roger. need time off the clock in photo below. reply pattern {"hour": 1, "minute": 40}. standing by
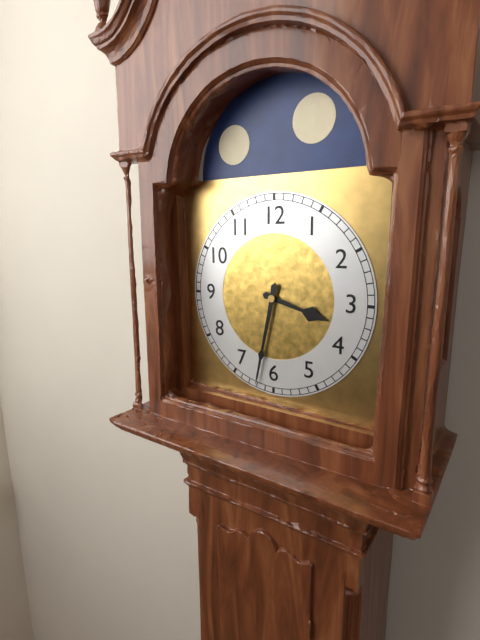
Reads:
{"hour": 3, "minute": 32}
